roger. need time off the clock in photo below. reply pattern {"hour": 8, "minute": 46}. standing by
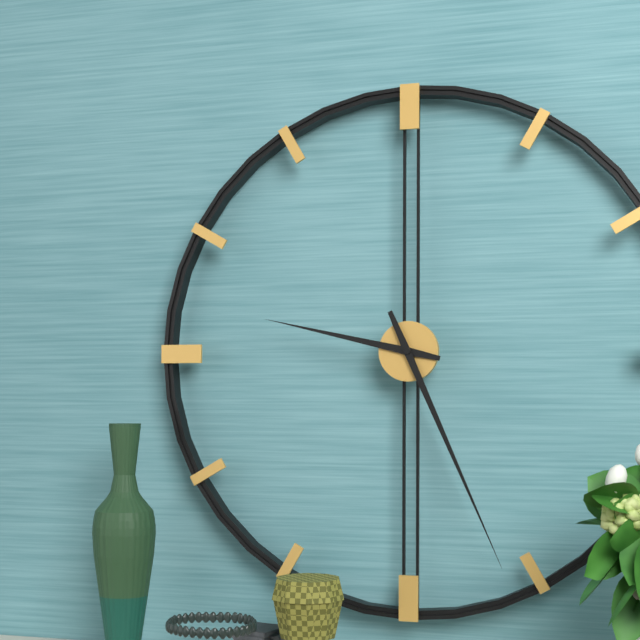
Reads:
{"hour": 9, "minute": 26}
